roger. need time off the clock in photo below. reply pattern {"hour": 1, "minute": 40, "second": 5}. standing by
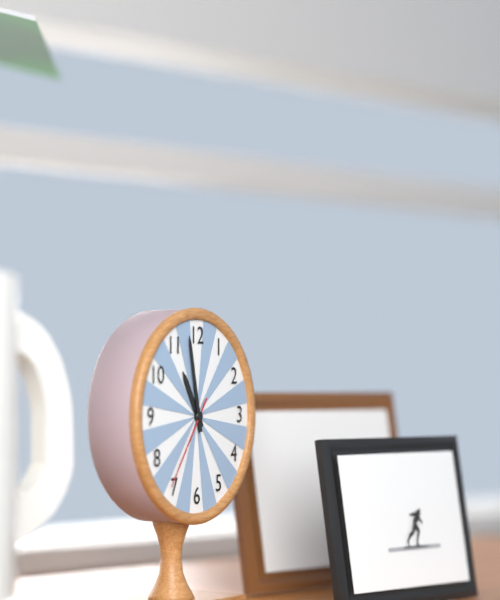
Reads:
{"hour": 10, "minute": 58, "second": 36}
